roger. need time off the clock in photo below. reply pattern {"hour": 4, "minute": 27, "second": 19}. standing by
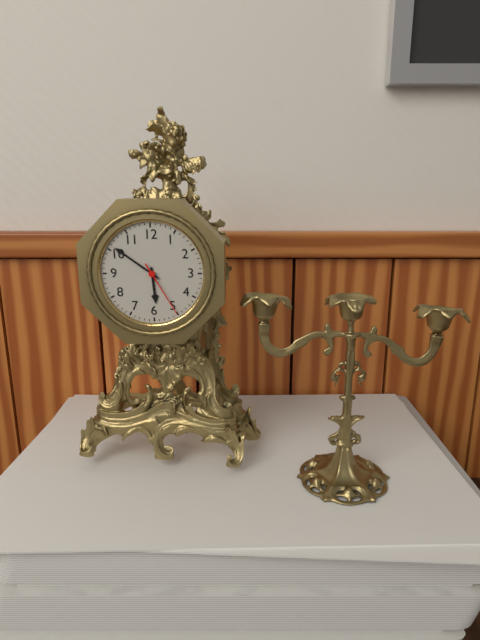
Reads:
{"hour": 5, "minute": 51, "second": 25}
